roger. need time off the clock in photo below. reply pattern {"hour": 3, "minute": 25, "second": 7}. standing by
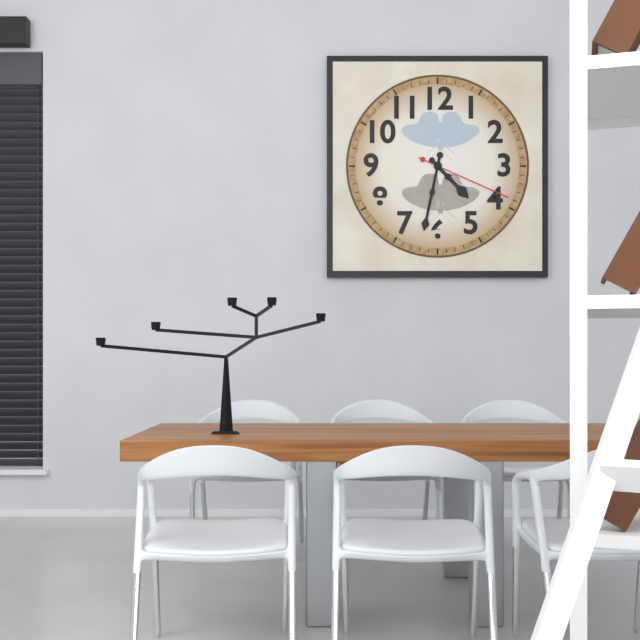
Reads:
{"hour": 4, "minute": 32, "second": 19}
